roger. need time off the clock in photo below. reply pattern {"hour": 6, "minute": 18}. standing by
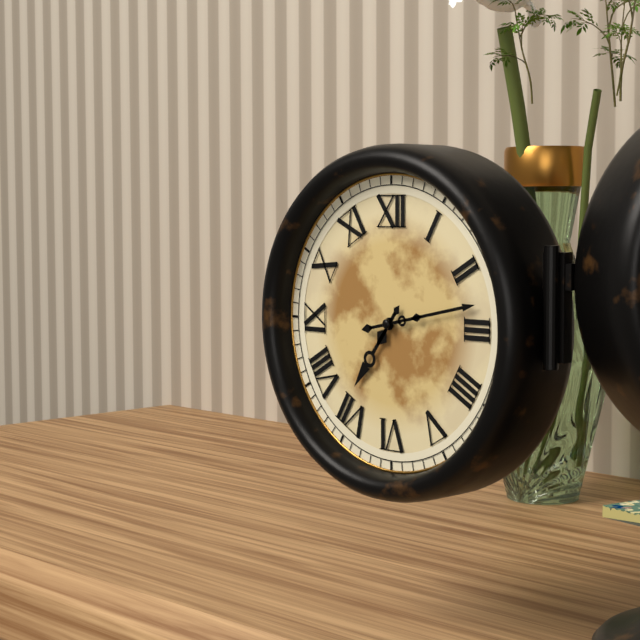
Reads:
{"hour": 7, "minute": 13}
